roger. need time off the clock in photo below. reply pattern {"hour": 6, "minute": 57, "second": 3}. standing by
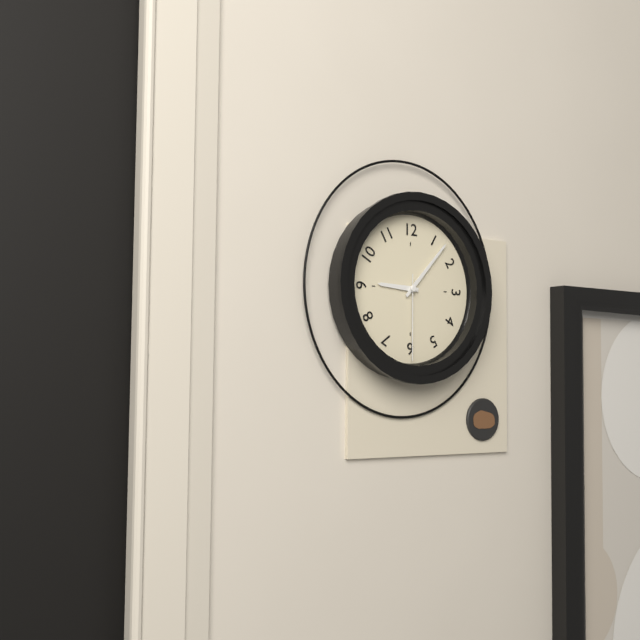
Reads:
{"hour": 9, "minute": 7, "second": 30}
